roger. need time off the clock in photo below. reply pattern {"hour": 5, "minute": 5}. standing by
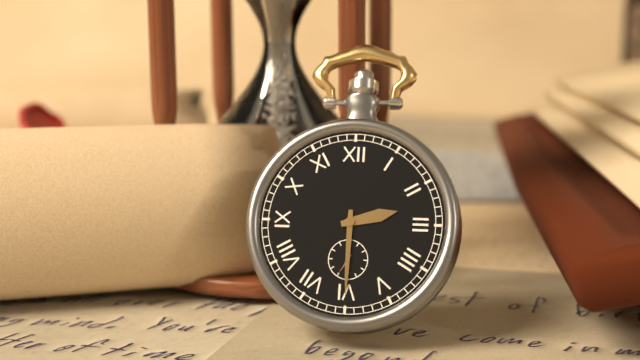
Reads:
{"hour": 2, "minute": 30}
